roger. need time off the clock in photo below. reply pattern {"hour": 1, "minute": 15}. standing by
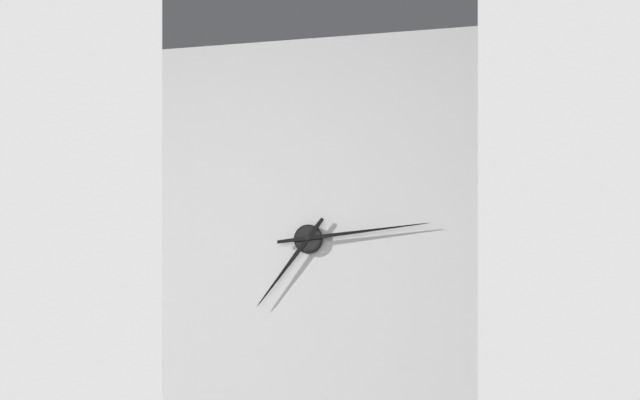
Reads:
{"hour": 7, "minute": 14}
